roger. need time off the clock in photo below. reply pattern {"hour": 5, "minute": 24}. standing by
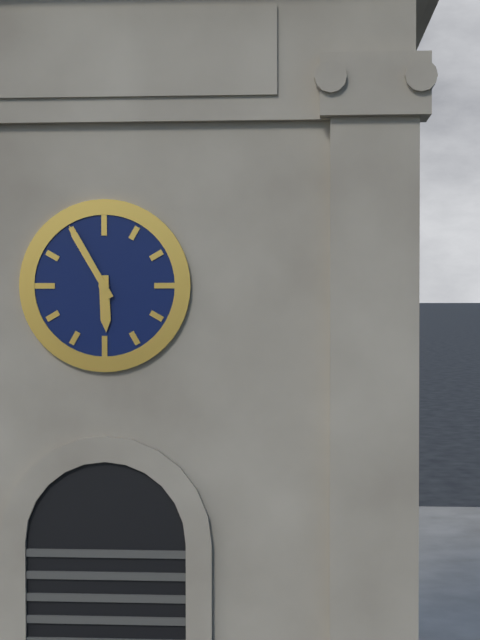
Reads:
{"hour": 5, "minute": 55}
